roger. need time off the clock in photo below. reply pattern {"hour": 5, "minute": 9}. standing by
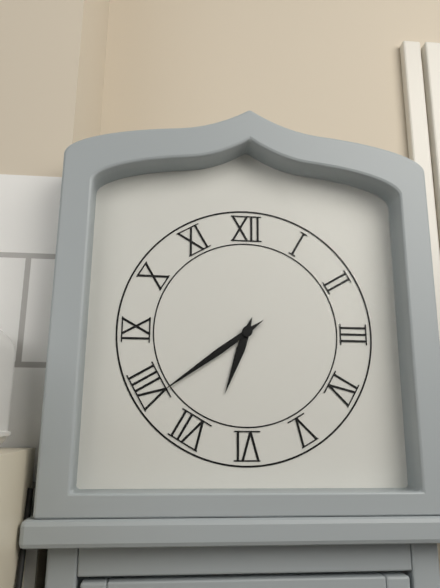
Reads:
{"hour": 6, "minute": 39}
